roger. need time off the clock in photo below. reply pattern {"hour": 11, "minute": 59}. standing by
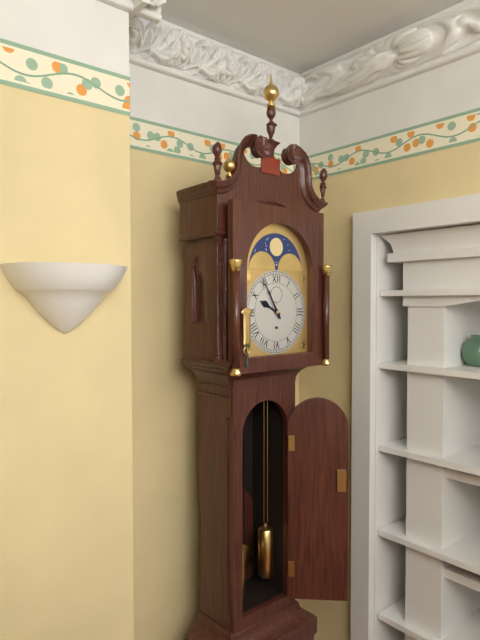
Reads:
{"hour": 9, "minute": 55}
